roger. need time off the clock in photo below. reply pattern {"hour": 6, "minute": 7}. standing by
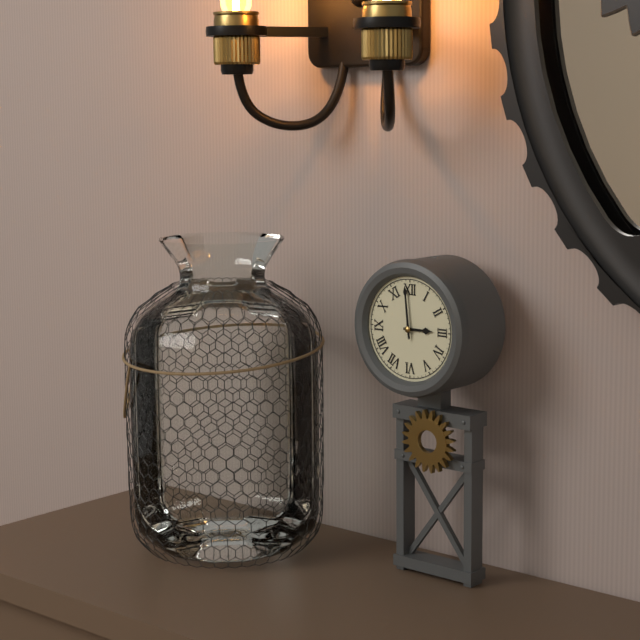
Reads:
{"hour": 2, "minute": 59}
